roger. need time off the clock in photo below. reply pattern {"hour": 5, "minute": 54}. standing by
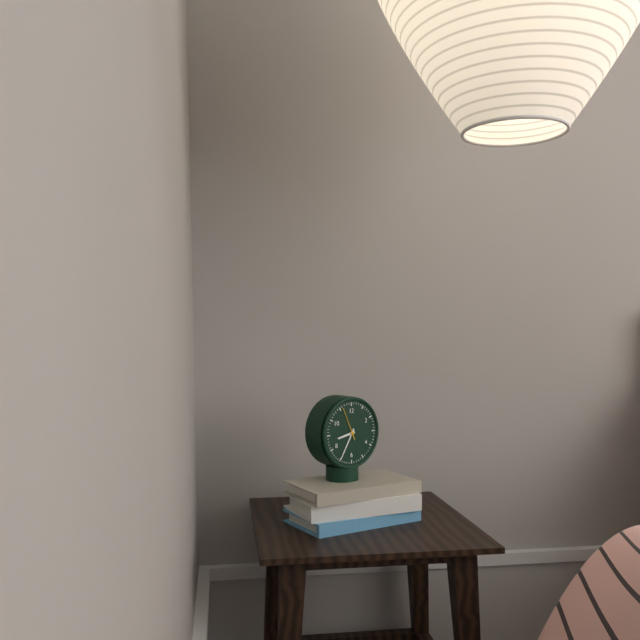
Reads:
{"hour": 8, "minute": 35}
